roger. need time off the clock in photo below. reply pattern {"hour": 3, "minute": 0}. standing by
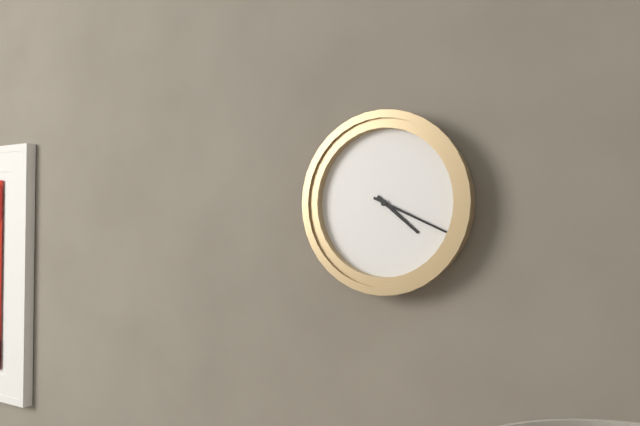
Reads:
{"hour": 4, "minute": 19}
